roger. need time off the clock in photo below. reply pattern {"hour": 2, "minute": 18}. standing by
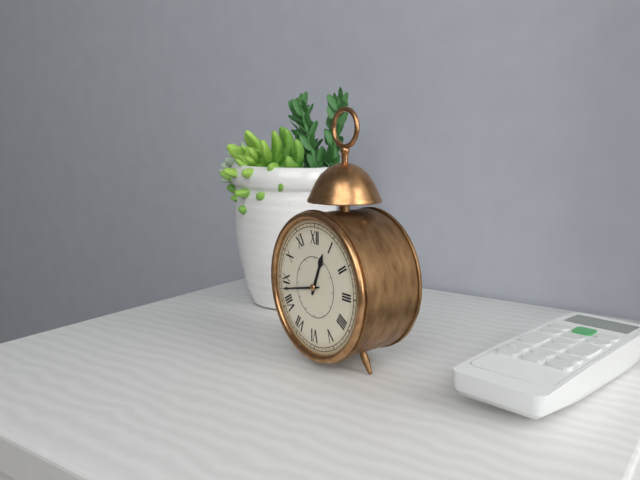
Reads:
{"hour": 12, "minute": 43}
